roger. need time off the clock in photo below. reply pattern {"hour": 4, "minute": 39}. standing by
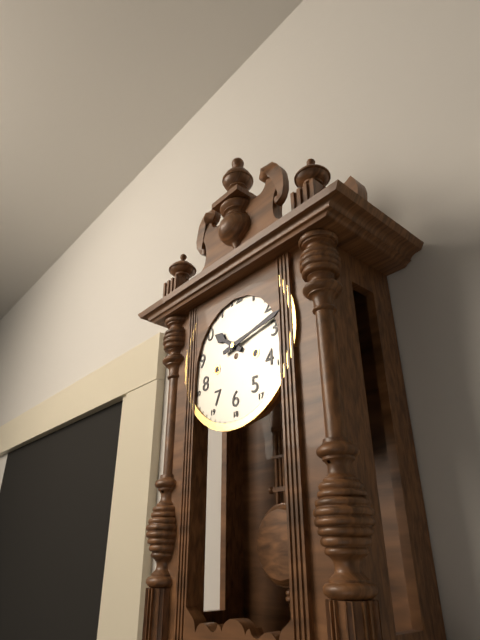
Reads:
{"hour": 10, "minute": 13}
